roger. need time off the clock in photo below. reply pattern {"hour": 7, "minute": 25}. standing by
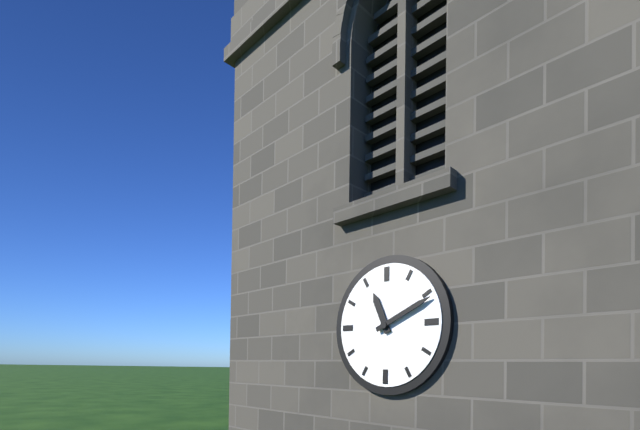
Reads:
{"hour": 11, "minute": 11}
